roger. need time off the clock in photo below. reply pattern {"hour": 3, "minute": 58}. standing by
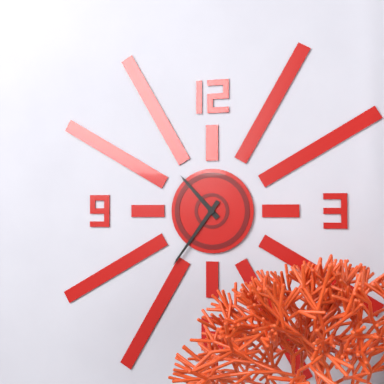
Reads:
{"hour": 10, "minute": 36}
